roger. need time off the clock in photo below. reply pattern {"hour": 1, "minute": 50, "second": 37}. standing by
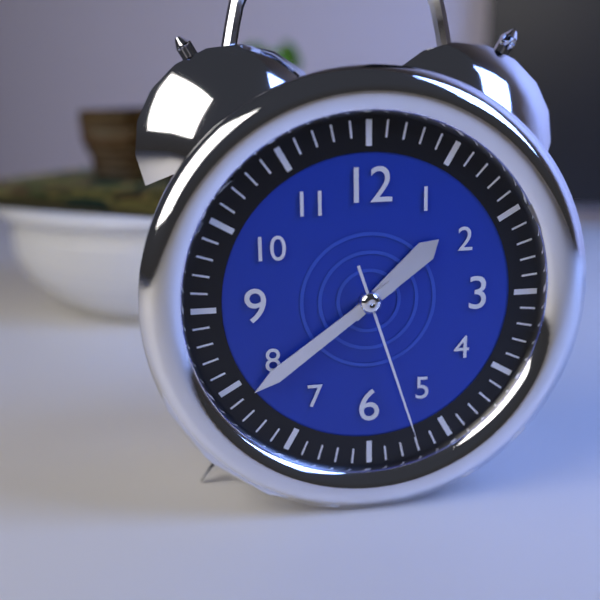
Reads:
{"hour": 1, "minute": 39, "second": 27}
